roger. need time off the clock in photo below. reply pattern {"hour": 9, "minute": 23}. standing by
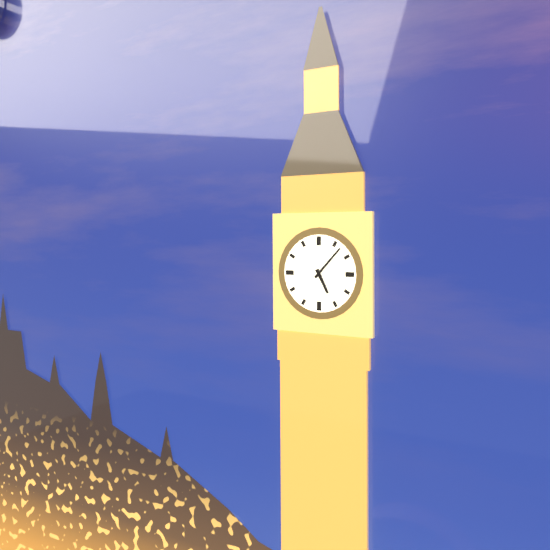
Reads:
{"hour": 5, "minute": 7}
